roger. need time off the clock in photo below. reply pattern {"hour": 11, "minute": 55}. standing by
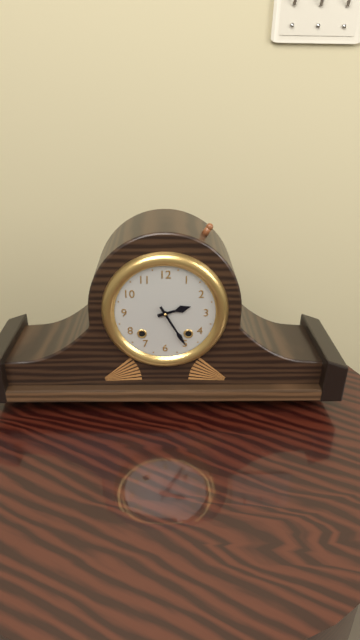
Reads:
{"hour": 2, "minute": 25}
